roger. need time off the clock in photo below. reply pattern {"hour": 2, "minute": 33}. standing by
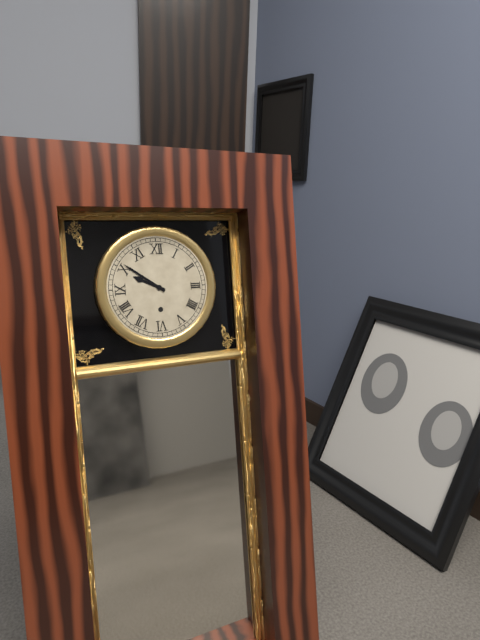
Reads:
{"hour": 9, "minute": 51}
